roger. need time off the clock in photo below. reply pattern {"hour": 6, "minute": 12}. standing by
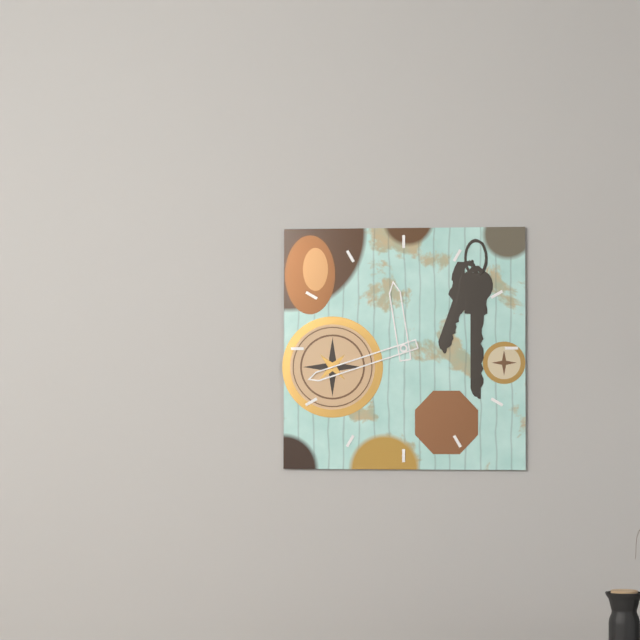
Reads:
{"hour": 11, "minute": 42}
